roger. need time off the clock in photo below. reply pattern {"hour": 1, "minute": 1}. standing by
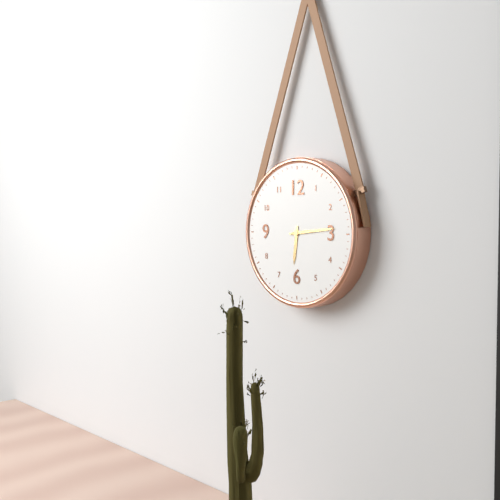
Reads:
{"hour": 6, "minute": 14}
